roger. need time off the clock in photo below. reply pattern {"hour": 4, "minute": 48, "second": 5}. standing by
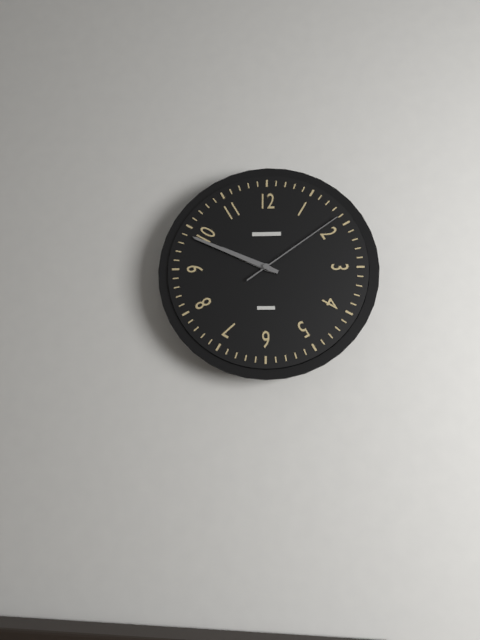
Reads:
{"hour": 9, "minute": 49, "second": 9}
